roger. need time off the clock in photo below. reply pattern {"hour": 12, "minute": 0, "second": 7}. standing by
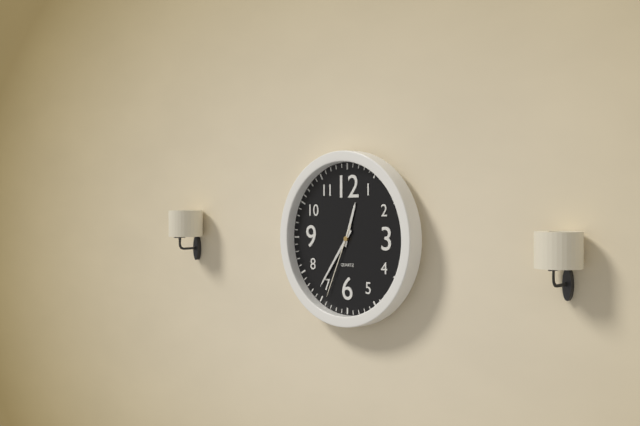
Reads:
{"hour": 12, "minute": 36, "second": 34}
